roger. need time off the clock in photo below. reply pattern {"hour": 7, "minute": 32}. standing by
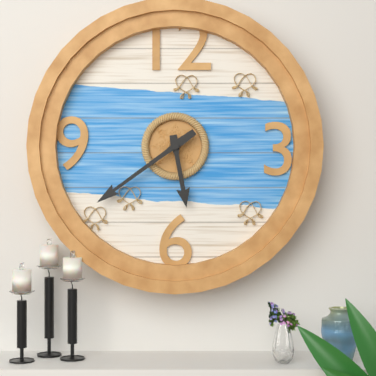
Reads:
{"hour": 5, "minute": 39}
